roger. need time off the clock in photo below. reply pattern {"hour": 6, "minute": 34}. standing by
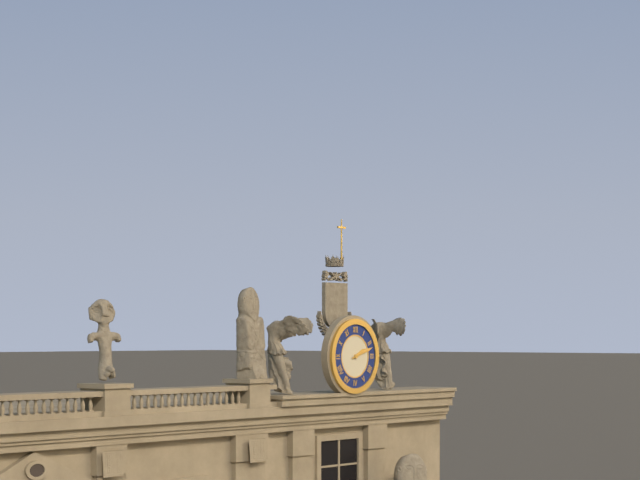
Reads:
{"hour": 2, "minute": 12}
